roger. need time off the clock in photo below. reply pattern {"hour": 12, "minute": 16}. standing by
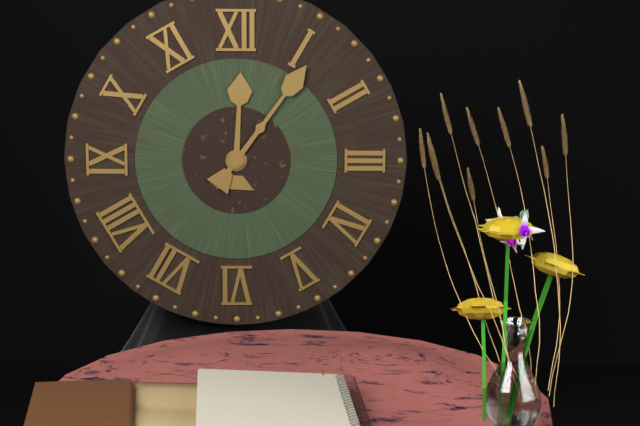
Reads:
{"hour": 12, "minute": 6}
